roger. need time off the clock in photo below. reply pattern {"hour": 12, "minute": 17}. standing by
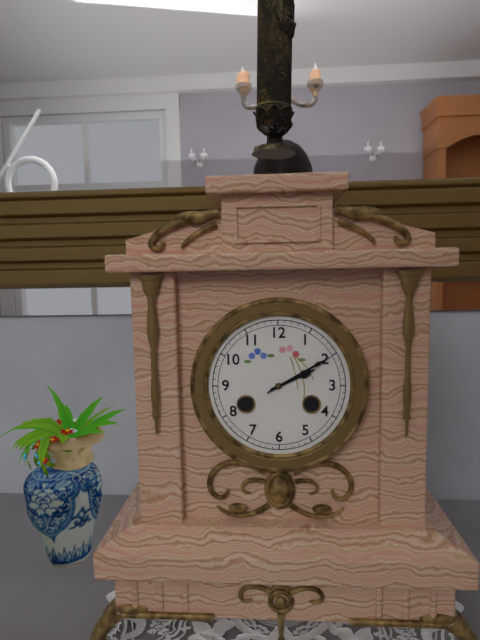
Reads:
{"hour": 2, "minute": 10}
